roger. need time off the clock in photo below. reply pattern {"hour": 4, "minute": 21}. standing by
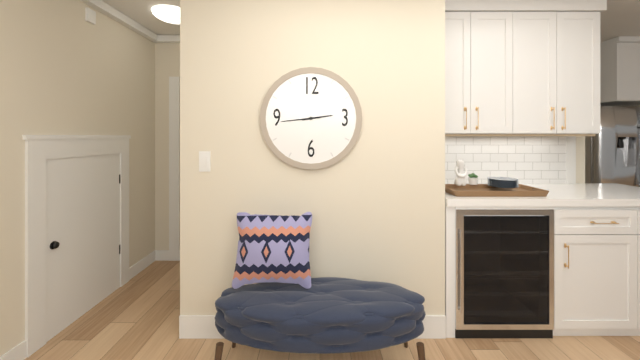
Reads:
{"hour": 2, "minute": 44}
